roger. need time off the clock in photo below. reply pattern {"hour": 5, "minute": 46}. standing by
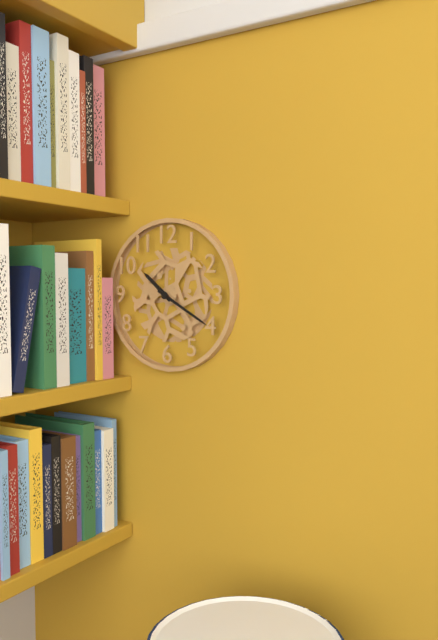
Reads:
{"hour": 10, "minute": 20}
